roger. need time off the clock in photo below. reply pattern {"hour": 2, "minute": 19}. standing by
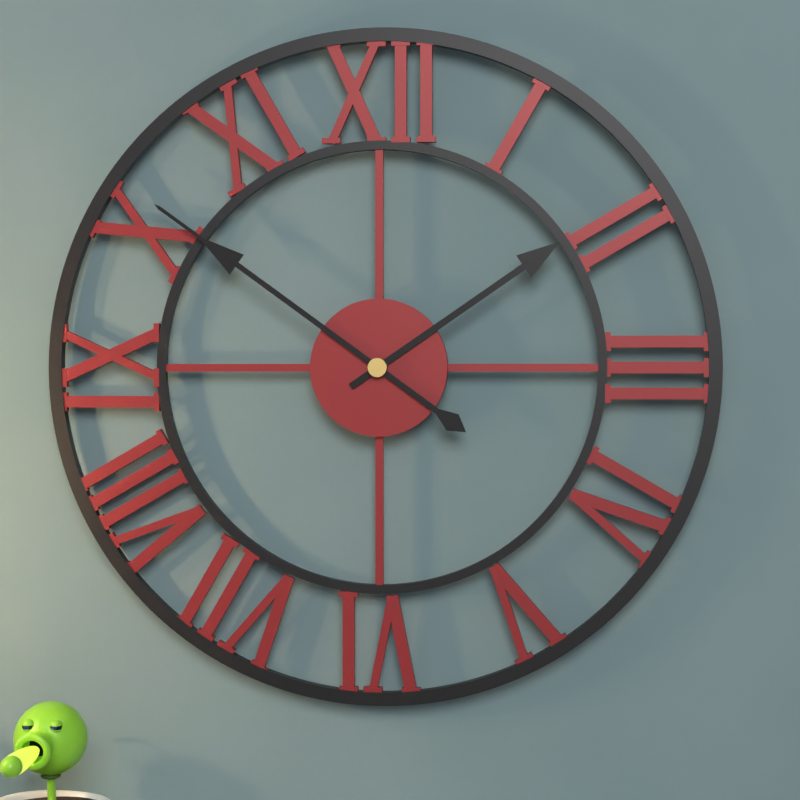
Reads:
{"hour": 1, "minute": 51}
